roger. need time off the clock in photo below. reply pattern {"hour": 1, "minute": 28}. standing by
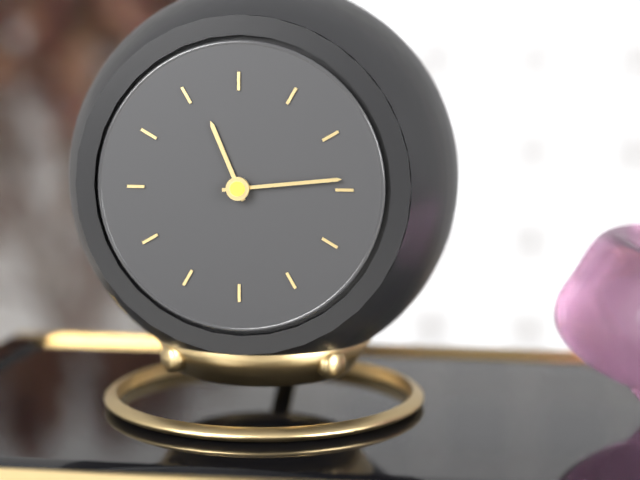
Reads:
{"hour": 11, "minute": 14}
